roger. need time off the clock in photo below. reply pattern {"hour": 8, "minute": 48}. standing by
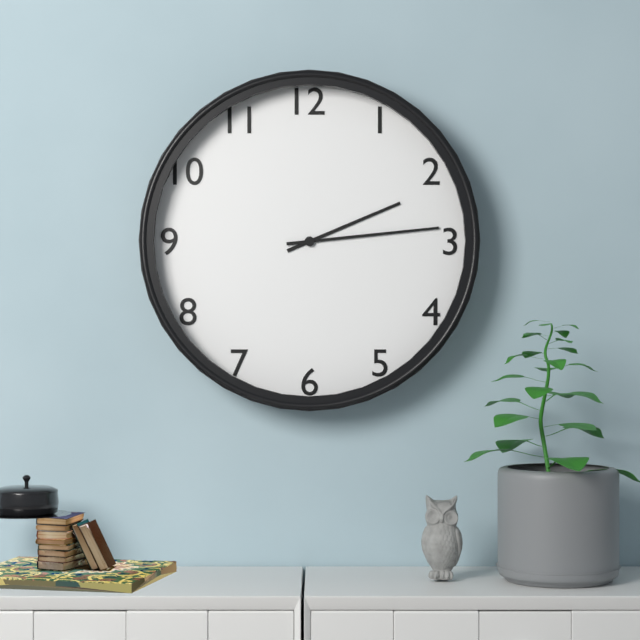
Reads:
{"hour": 2, "minute": 14}
